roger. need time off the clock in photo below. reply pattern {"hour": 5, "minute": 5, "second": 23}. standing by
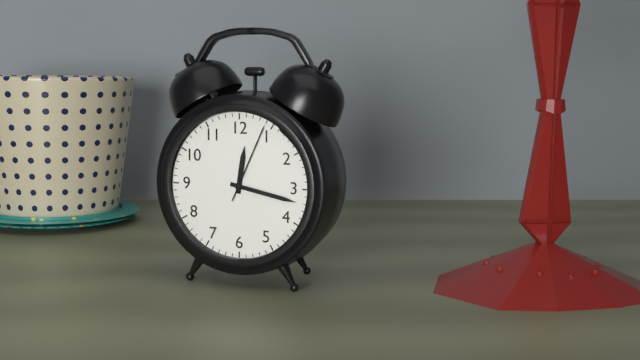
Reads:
{"hour": 12, "minute": 17, "second": 4}
